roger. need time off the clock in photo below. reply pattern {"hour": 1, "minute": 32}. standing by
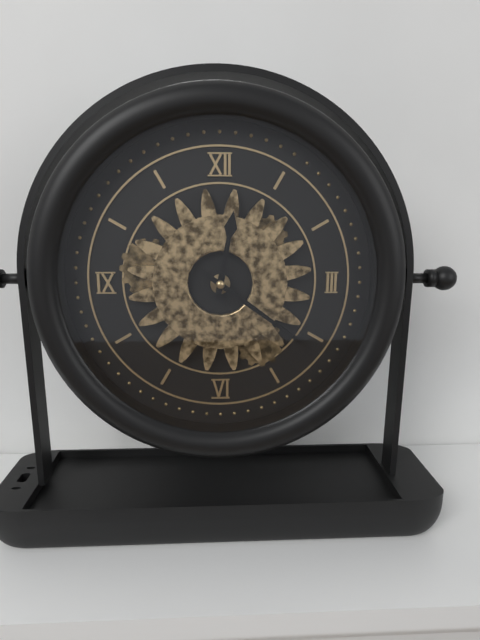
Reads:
{"hour": 12, "minute": 21}
